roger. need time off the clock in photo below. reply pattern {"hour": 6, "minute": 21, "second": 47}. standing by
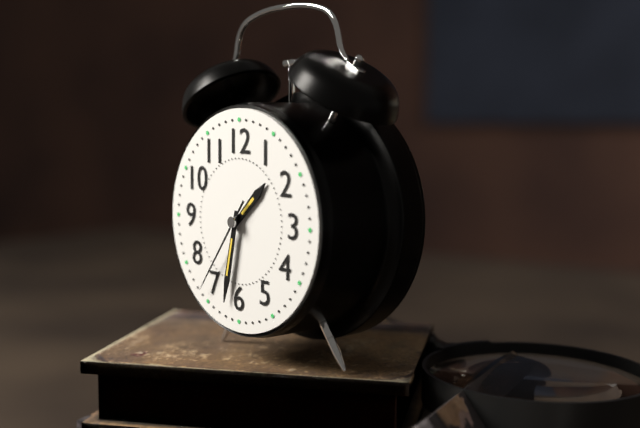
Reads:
{"hour": 1, "minute": 32, "second": 36}
